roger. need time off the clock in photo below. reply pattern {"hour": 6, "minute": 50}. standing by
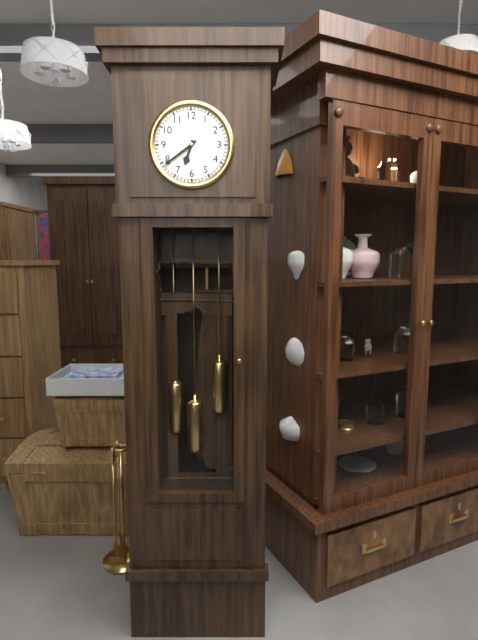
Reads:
{"hour": 6, "minute": 39}
